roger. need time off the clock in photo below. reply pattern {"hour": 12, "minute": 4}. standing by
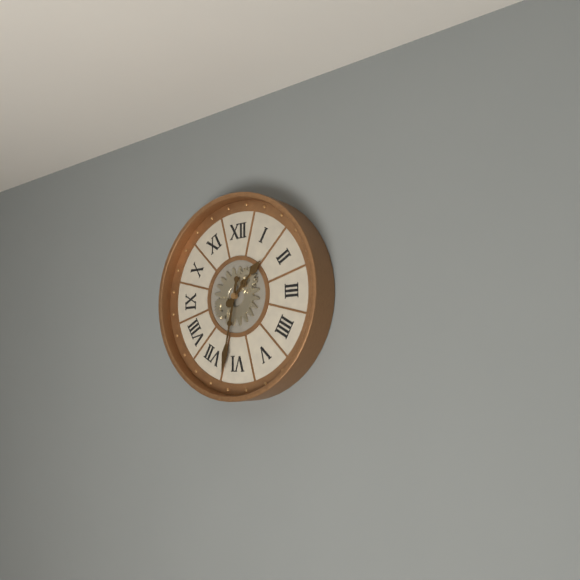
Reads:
{"hour": 1, "minute": 32}
